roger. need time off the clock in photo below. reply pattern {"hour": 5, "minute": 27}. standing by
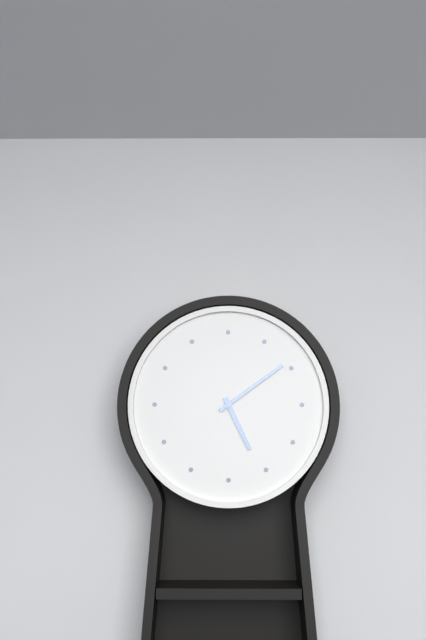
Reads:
{"hour": 5, "minute": 9}
